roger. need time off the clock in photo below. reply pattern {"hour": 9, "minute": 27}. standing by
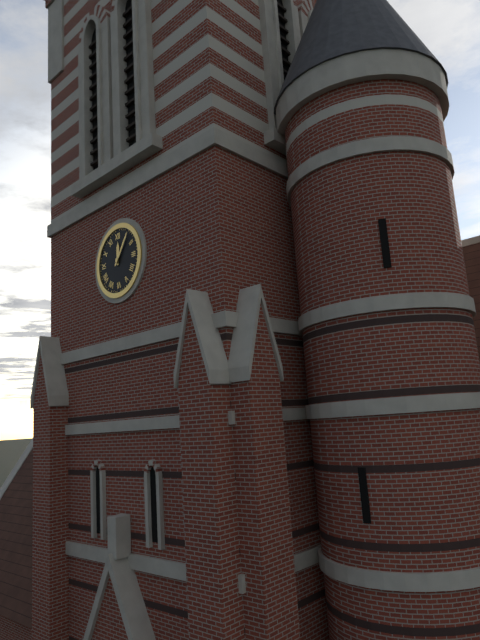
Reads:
{"hour": 12, "minute": 6}
